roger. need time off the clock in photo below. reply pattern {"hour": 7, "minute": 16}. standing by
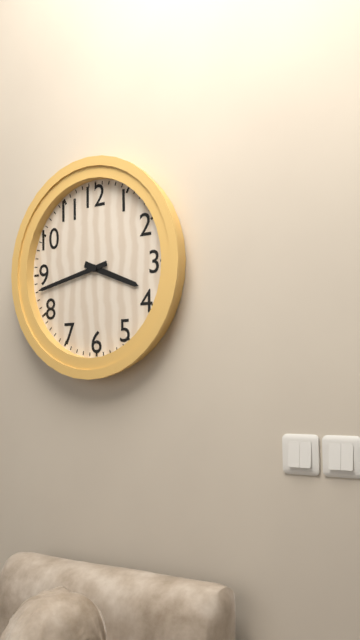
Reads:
{"hour": 3, "minute": 43}
